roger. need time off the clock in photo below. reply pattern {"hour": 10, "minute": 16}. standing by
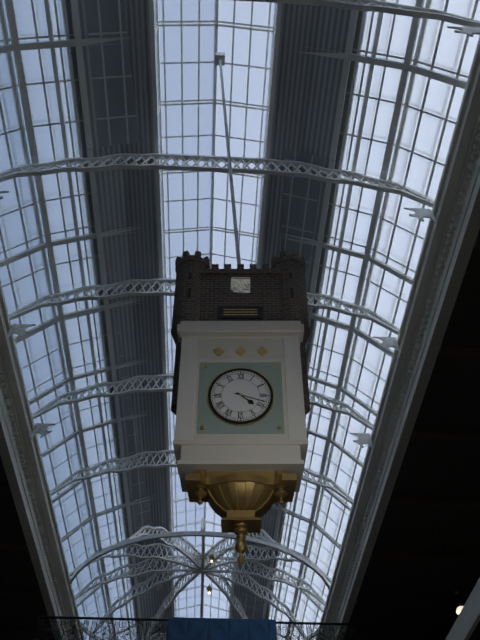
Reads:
{"hour": 4, "minute": 18}
